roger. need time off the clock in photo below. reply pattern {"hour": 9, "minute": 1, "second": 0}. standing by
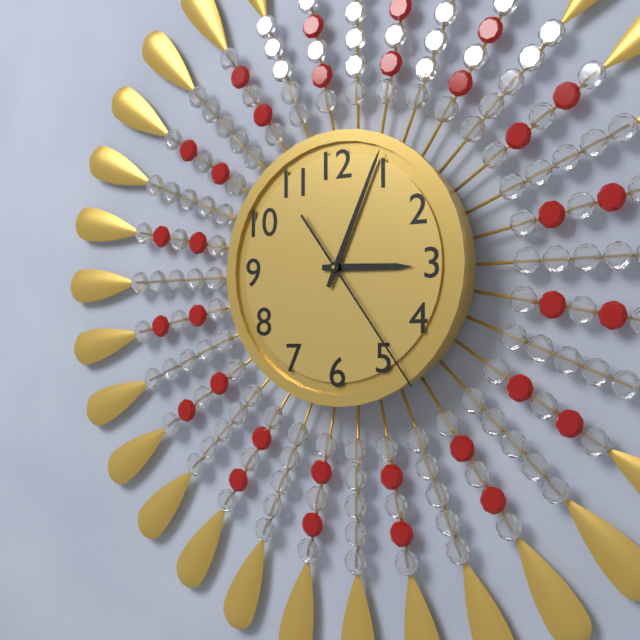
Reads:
{"hour": 3, "minute": 4, "second": 24}
